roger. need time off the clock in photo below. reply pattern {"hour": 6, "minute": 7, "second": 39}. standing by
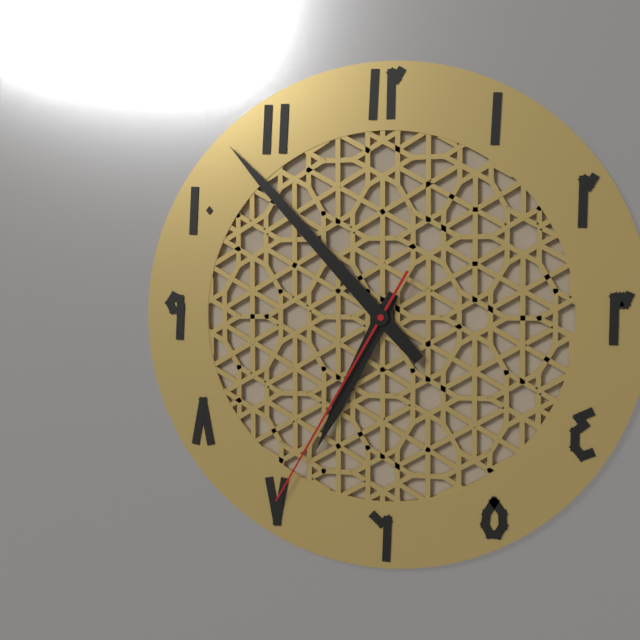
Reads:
{"hour": 6, "minute": 53, "second": 35}
